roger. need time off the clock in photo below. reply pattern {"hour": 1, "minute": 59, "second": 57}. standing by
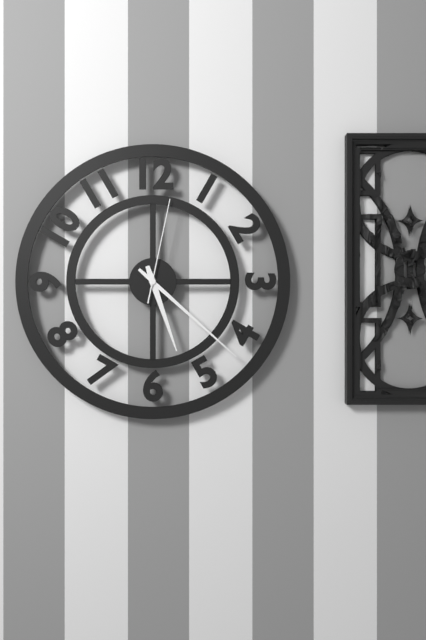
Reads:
{"hour": 5, "minute": 22, "second": 2}
